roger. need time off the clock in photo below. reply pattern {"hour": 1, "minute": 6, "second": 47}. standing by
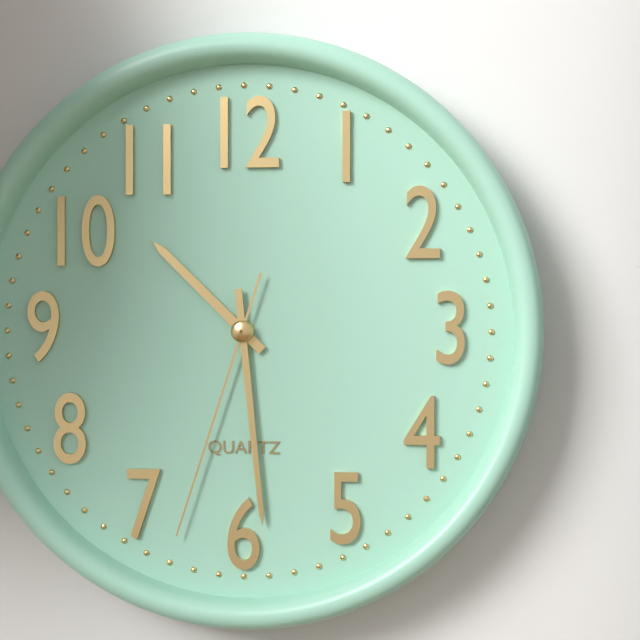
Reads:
{"hour": 10, "minute": 29, "second": 33}
